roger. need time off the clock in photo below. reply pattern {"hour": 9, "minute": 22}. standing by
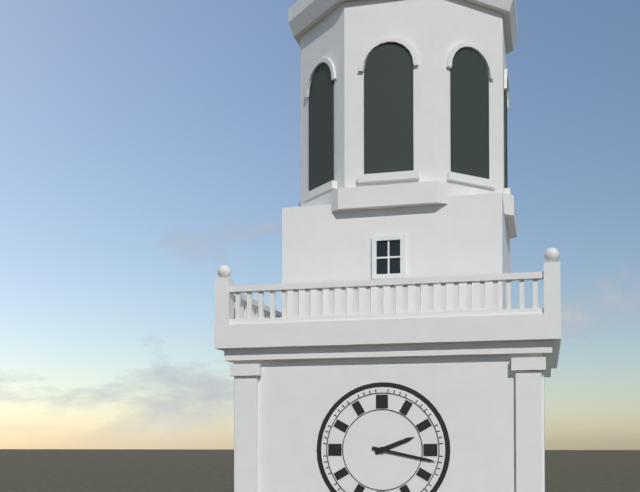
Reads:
{"hour": 2, "minute": 17}
